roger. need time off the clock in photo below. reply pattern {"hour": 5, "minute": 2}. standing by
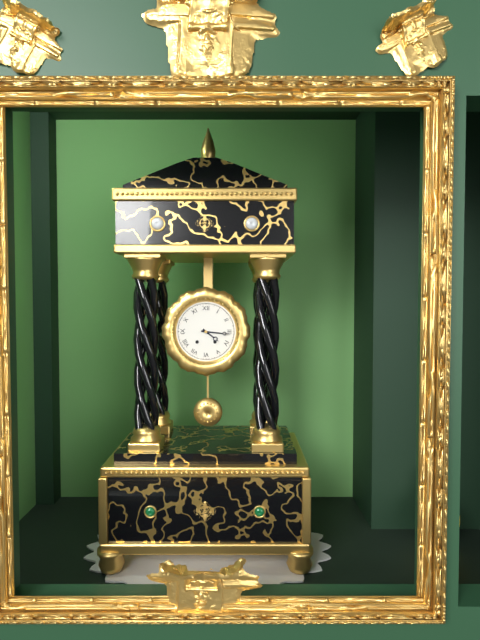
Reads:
{"hour": 4, "minute": 16}
